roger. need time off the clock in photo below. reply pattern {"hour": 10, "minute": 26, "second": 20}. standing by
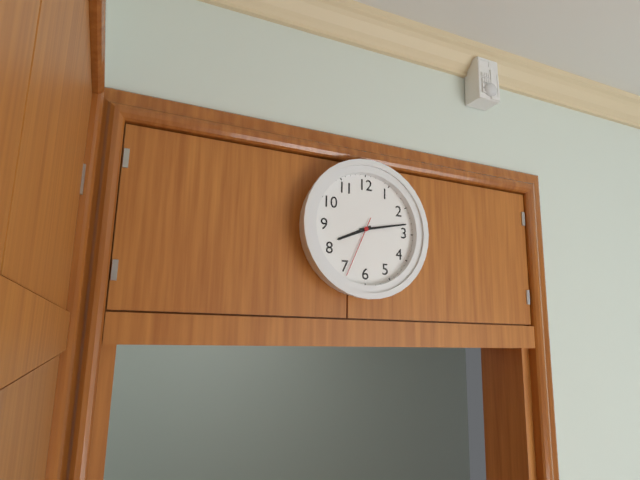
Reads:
{"hour": 8, "minute": 13, "second": 34}
